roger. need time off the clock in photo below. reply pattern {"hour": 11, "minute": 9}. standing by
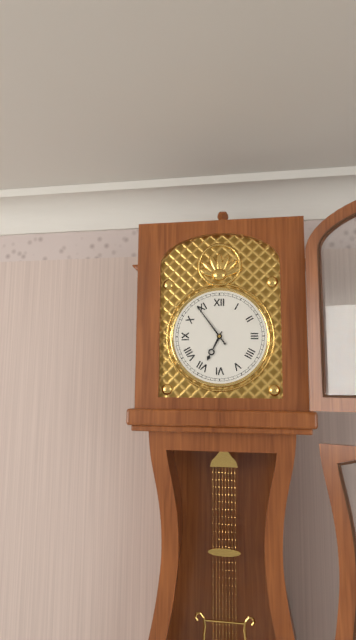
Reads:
{"hour": 6, "minute": 54}
